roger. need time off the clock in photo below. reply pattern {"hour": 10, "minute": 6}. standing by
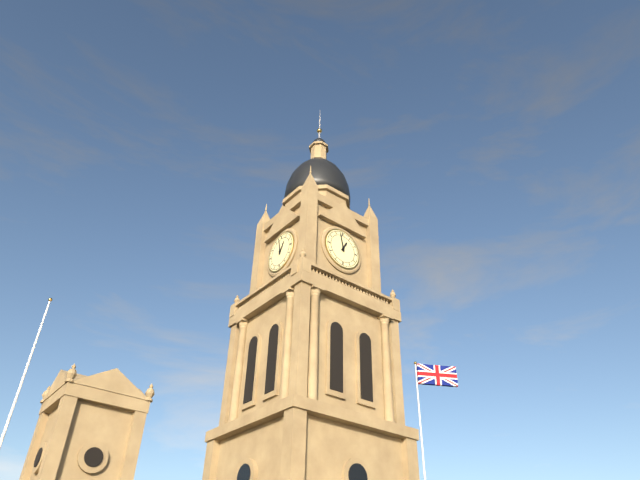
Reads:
{"hour": 12, "minute": 58}
